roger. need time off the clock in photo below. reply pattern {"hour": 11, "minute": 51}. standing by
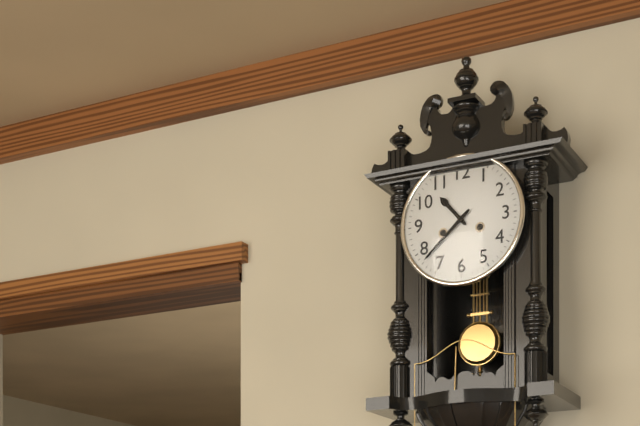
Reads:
{"hour": 10, "minute": 38}
